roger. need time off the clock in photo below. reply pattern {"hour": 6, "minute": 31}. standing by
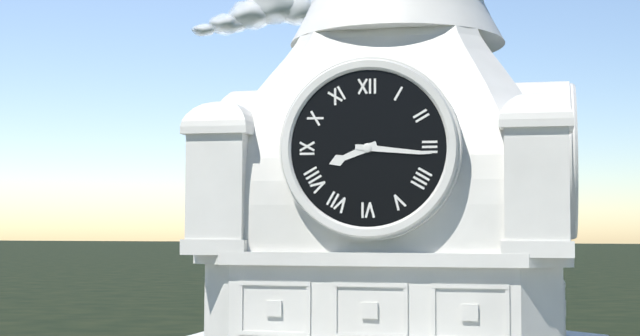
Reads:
{"hour": 8, "minute": 16}
